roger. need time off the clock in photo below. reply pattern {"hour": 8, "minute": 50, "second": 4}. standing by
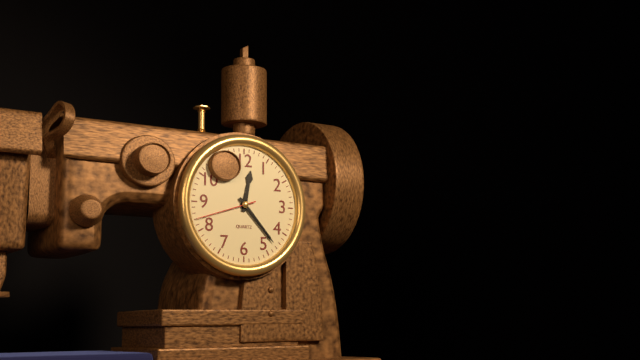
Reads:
{"hour": 12, "minute": 23, "second": 42}
